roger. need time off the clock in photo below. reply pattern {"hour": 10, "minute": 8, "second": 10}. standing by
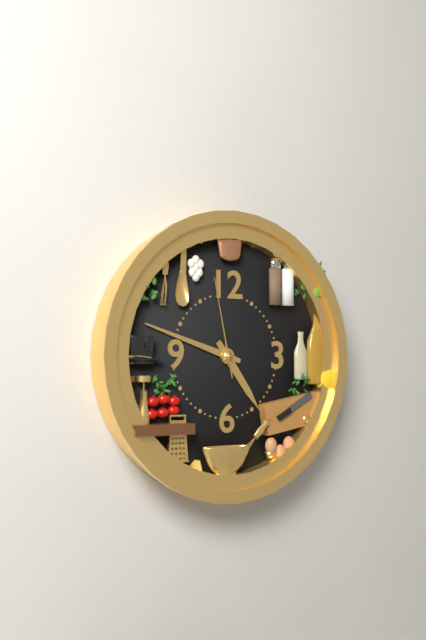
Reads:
{"hour": 4, "minute": 48, "second": 58}
